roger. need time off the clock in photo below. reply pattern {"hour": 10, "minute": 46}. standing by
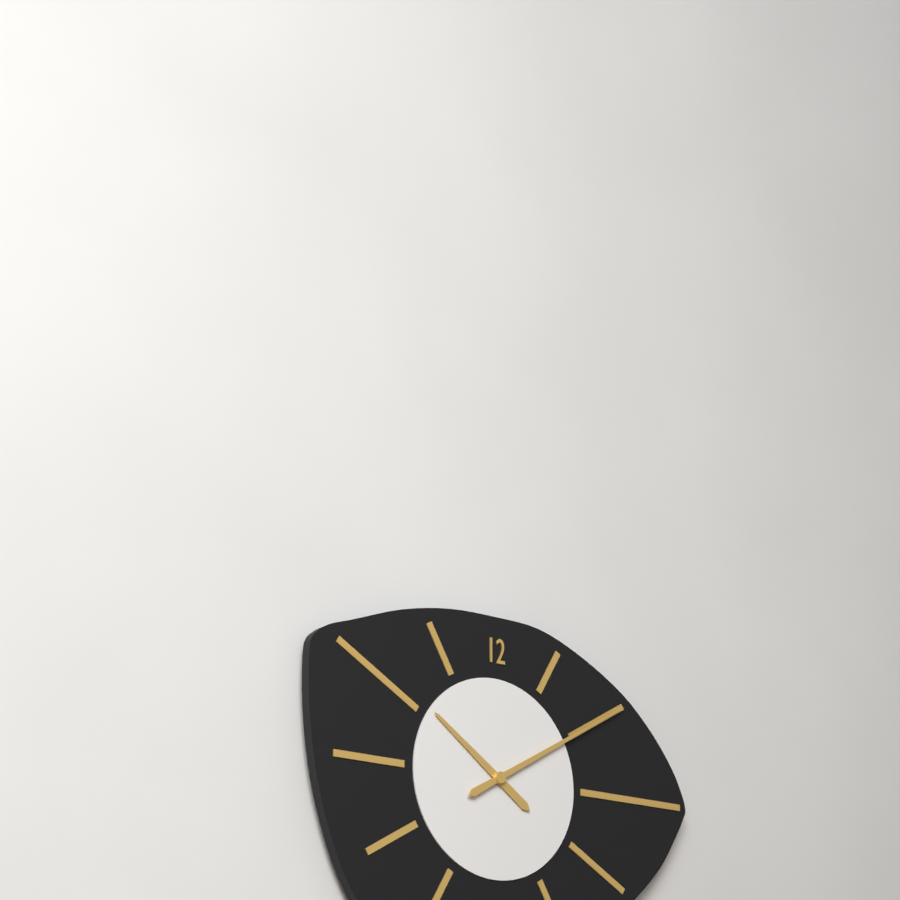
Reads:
{"hour": 10, "minute": 10}
